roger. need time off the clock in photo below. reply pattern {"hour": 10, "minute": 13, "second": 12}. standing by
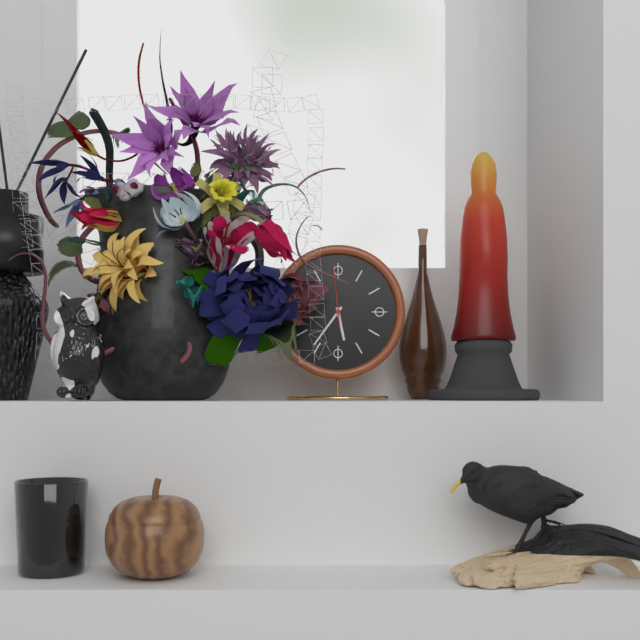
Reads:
{"hour": 5, "minute": 36, "second": 59}
